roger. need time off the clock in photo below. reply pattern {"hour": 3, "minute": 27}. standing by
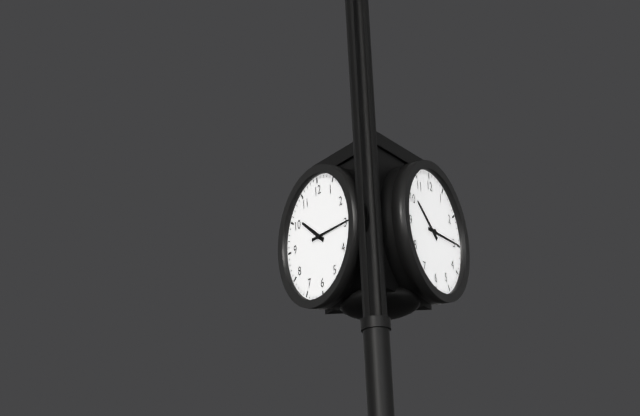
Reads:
{"hour": 10, "minute": 15}
